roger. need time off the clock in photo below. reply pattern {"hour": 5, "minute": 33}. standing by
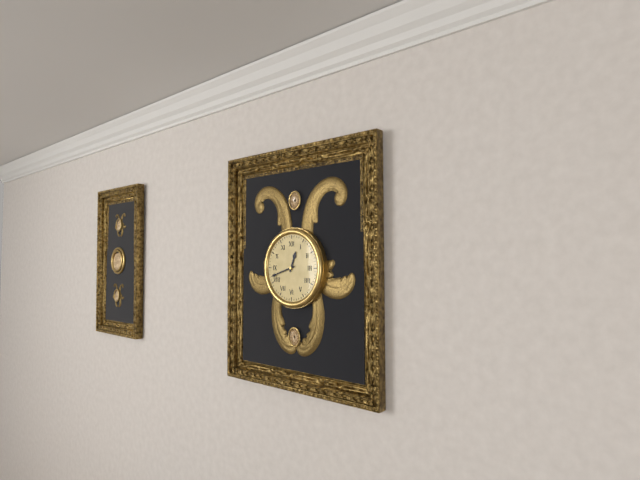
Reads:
{"hour": 12, "minute": 42}
